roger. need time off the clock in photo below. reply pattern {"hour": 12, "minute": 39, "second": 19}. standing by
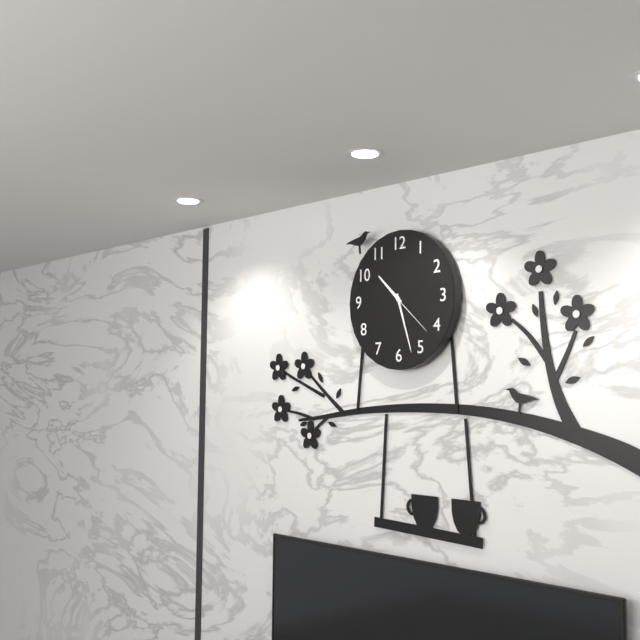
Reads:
{"hour": 10, "minute": 27, "second": 22}
